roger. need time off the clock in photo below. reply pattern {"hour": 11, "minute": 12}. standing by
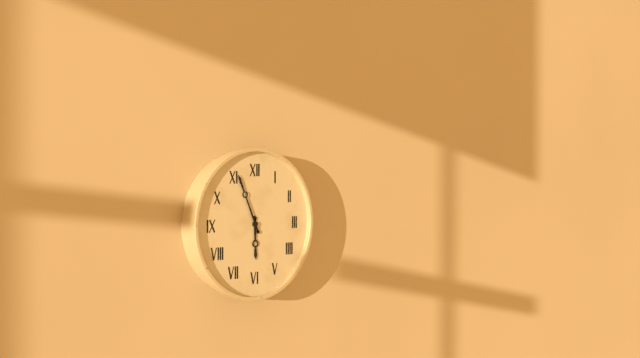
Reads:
{"hour": 5, "minute": 56}
